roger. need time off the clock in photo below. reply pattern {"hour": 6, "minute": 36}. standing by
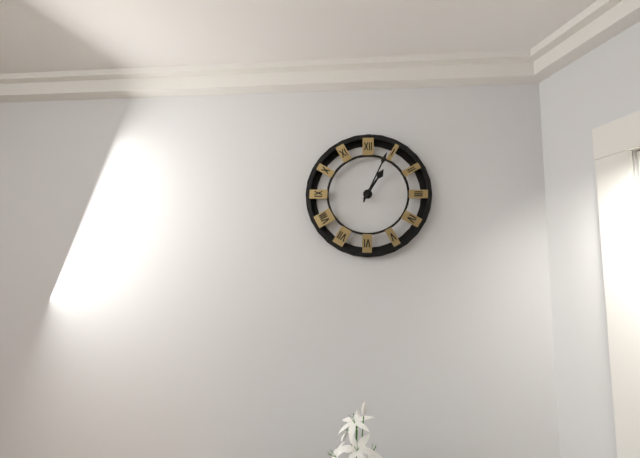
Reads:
{"hour": 1, "minute": 4}
